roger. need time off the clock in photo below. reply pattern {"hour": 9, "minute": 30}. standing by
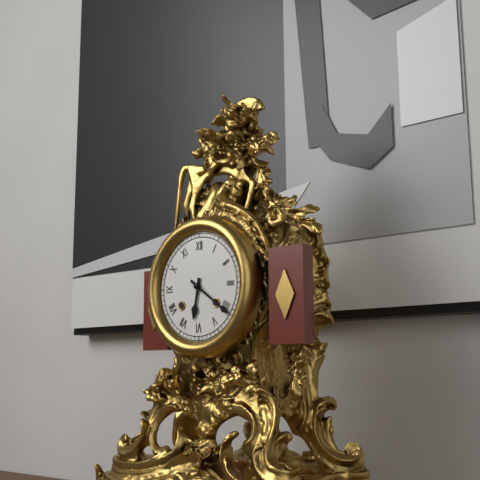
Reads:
{"hour": 6, "minute": 21}
